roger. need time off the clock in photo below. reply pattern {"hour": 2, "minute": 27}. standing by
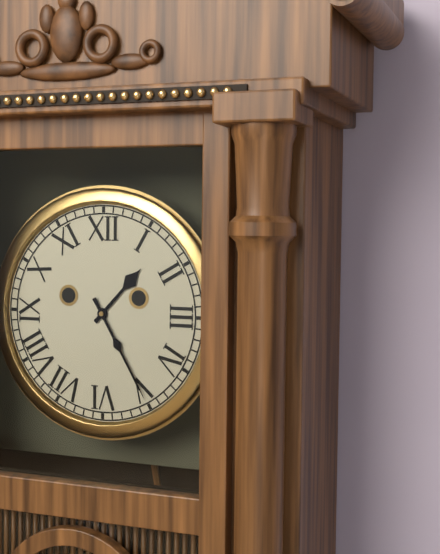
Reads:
{"hour": 1, "minute": 25}
